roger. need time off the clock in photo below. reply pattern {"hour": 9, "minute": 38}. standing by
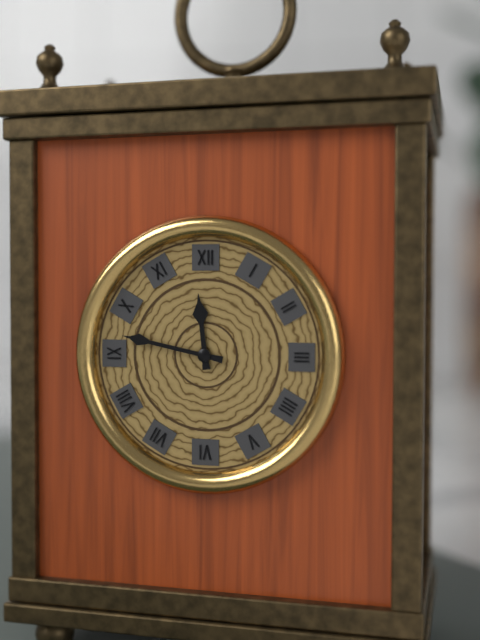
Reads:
{"hour": 11, "minute": 47}
